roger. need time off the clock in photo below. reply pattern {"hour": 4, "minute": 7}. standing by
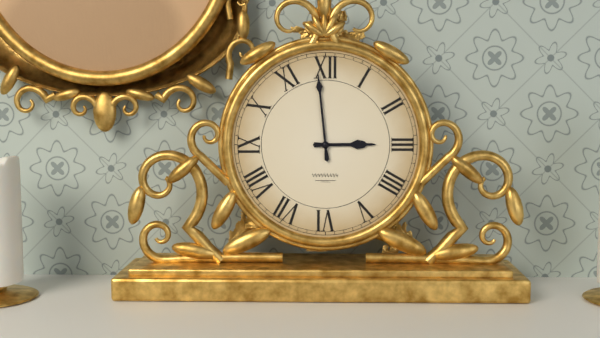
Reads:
{"hour": 2, "minute": 59}
